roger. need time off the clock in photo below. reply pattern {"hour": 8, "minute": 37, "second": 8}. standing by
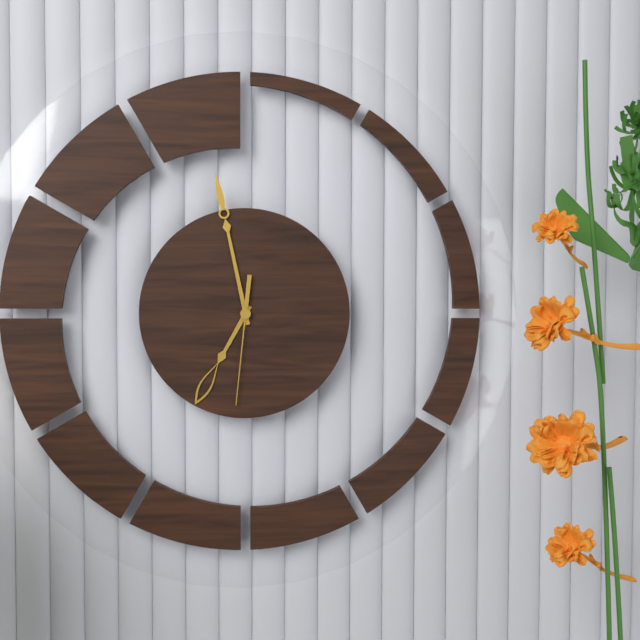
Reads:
{"hour": 6, "minute": 58, "second": 31}
